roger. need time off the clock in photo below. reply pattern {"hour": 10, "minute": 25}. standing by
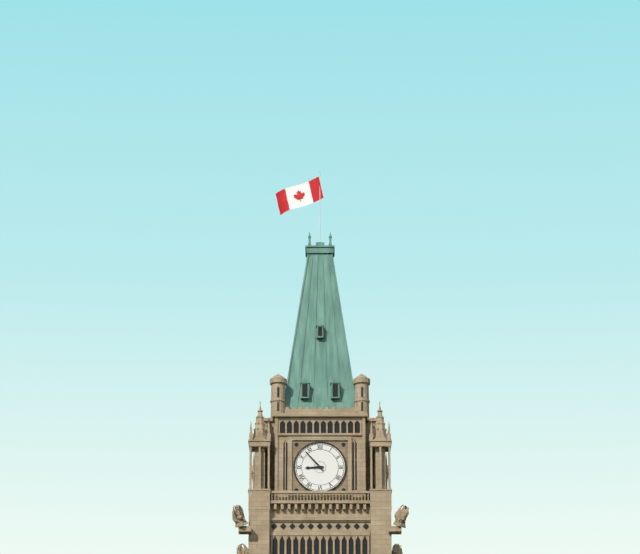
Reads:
{"hour": 8, "minute": 53}
